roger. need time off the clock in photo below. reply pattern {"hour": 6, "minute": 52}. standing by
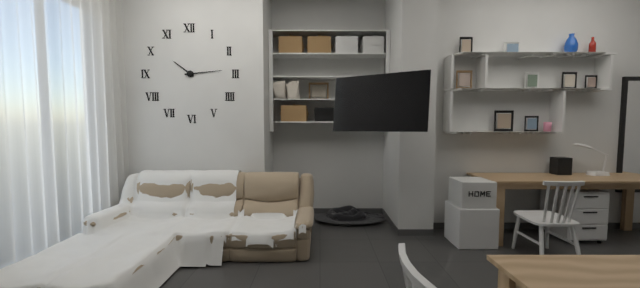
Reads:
{"hour": 10, "minute": 14}
